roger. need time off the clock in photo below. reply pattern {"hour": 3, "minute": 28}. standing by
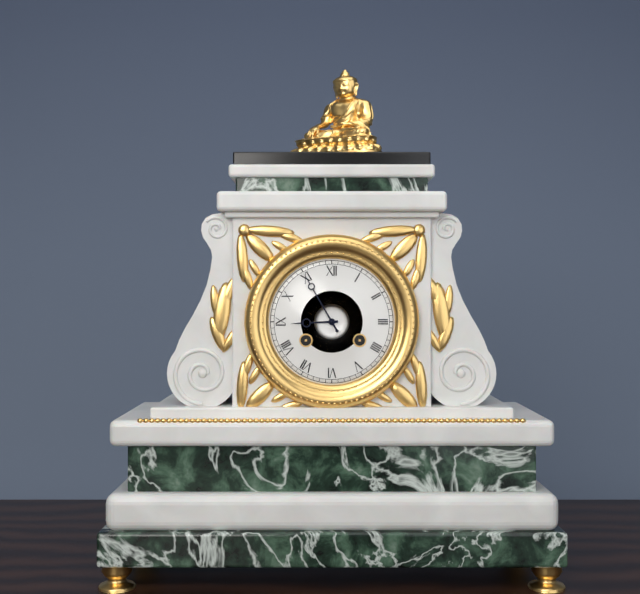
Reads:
{"hour": 8, "minute": 55}
